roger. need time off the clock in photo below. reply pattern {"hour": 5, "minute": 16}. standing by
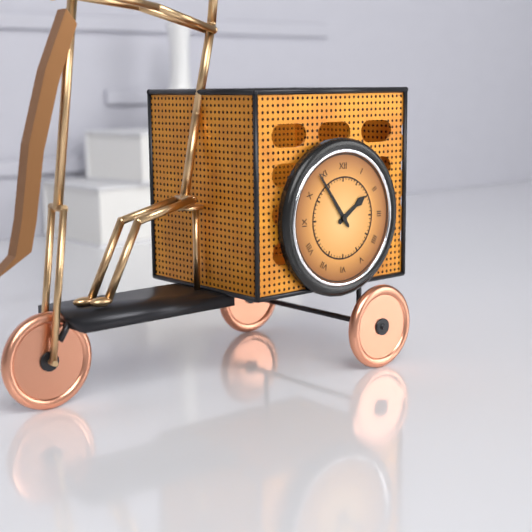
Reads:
{"hour": 1, "minute": 54}
